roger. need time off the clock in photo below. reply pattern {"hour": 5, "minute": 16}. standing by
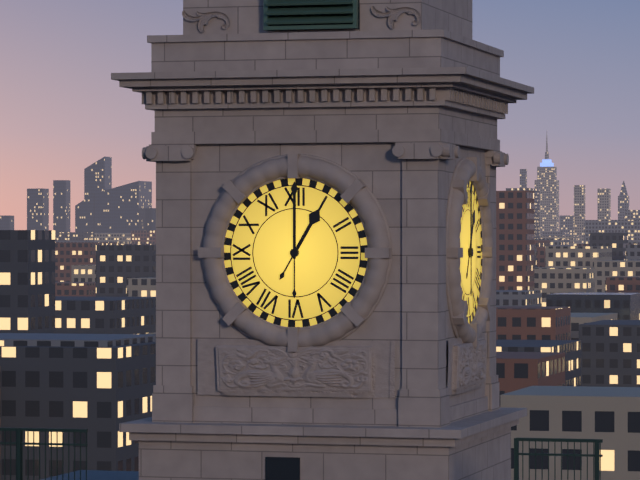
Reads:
{"hour": 1, "minute": 0}
